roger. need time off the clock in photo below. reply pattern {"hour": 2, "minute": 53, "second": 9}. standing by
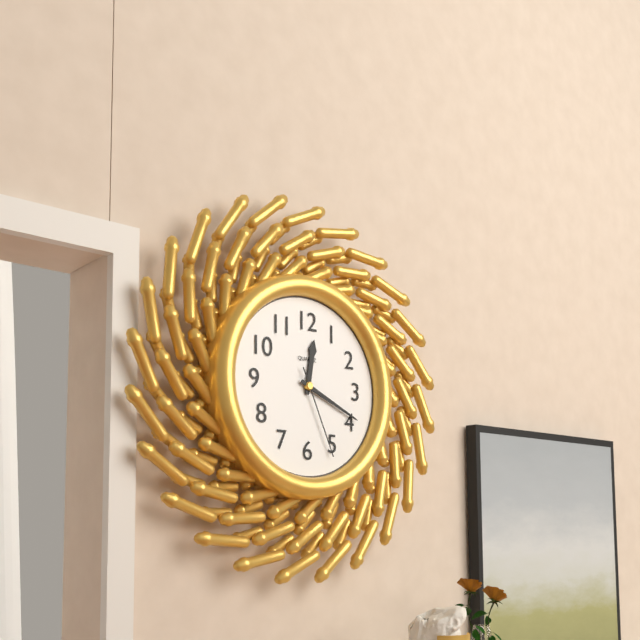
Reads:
{"hour": 12, "minute": 19, "second": 26}
